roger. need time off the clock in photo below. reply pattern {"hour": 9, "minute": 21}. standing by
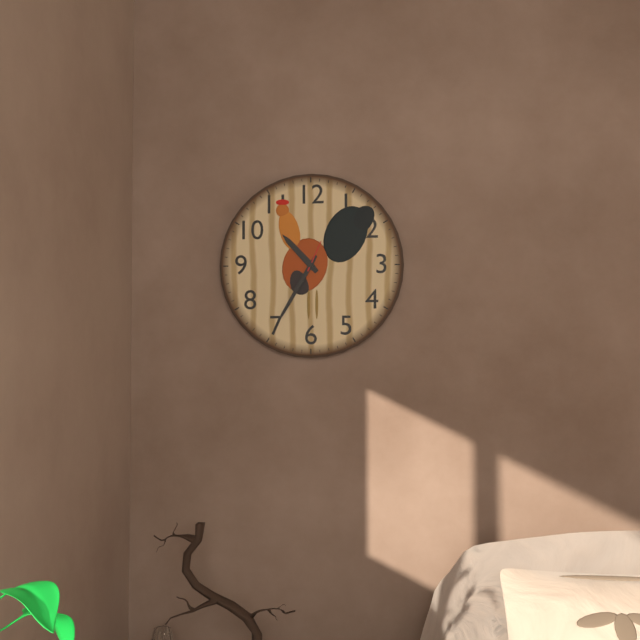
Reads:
{"hour": 10, "minute": 35}
